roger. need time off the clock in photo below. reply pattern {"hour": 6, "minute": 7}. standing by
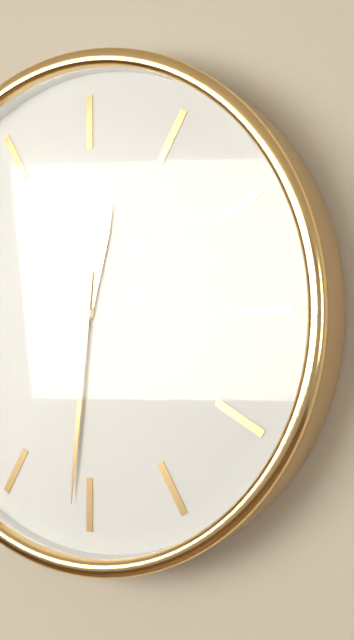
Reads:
{"hour": 12, "minute": 31}
